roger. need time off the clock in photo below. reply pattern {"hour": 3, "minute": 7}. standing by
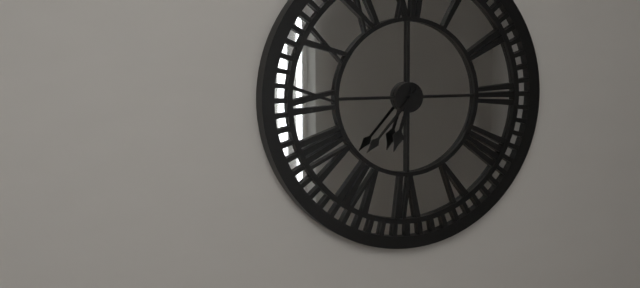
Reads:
{"hour": 6, "minute": 37}
